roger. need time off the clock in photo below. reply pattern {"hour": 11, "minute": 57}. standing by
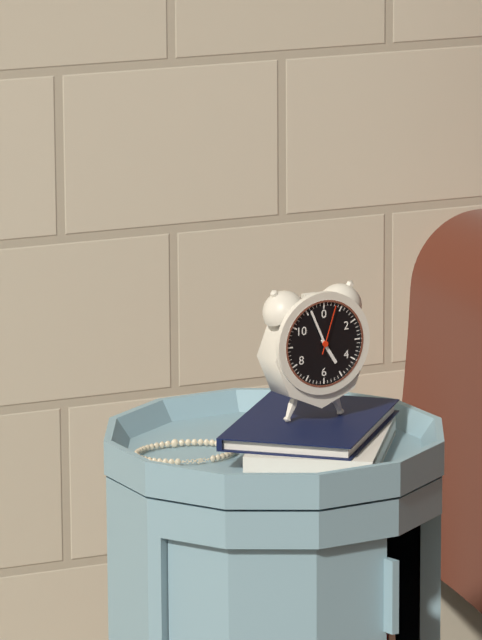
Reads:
{"hour": 4, "minute": 56}
